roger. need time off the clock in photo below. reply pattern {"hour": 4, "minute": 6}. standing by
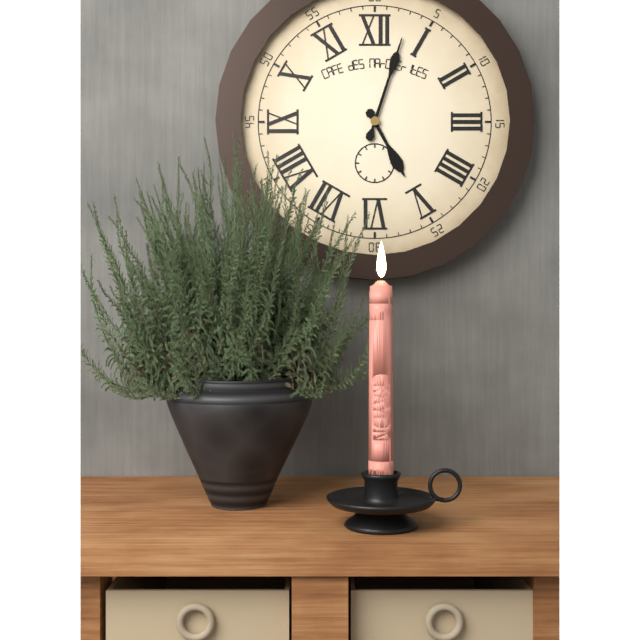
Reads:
{"hour": 5, "minute": 3}
